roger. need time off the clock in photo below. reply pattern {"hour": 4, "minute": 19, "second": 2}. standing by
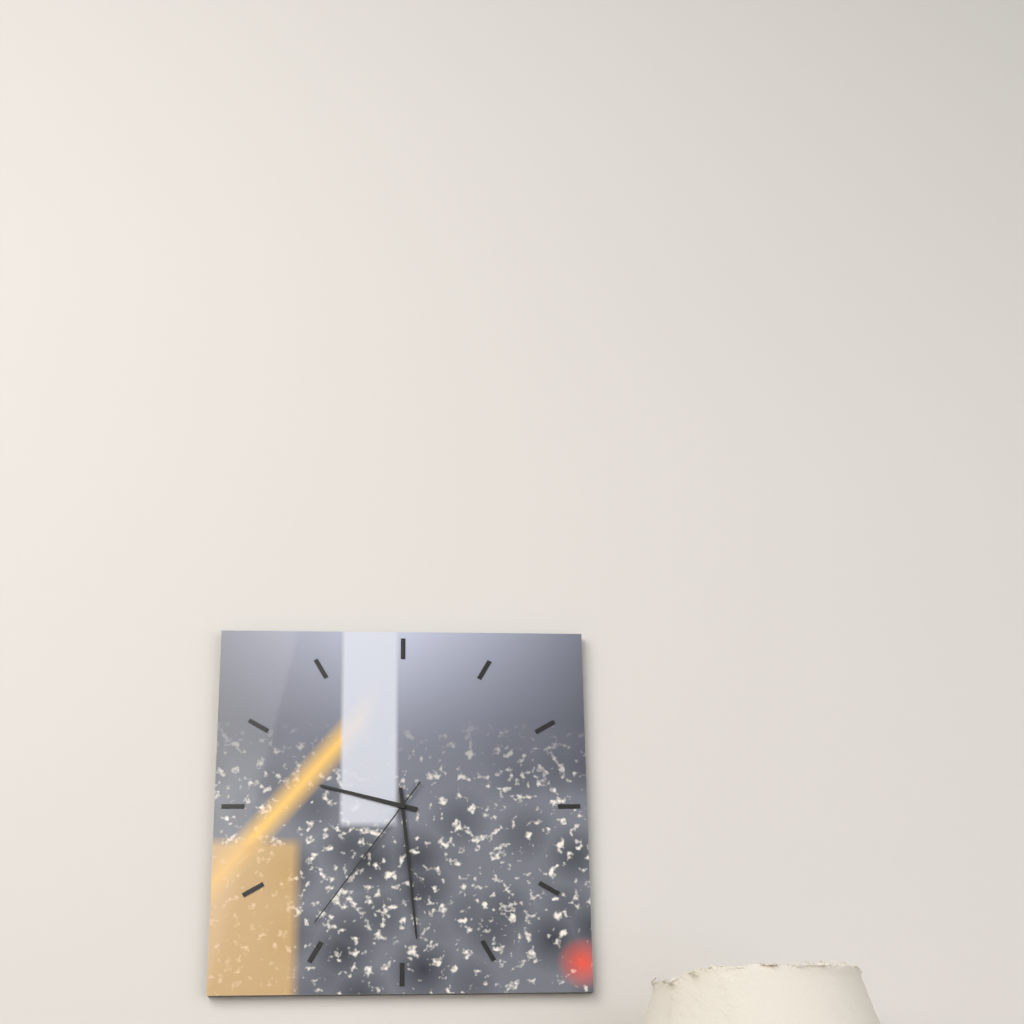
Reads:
{"hour": 9, "minute": 29, "second": 36}
